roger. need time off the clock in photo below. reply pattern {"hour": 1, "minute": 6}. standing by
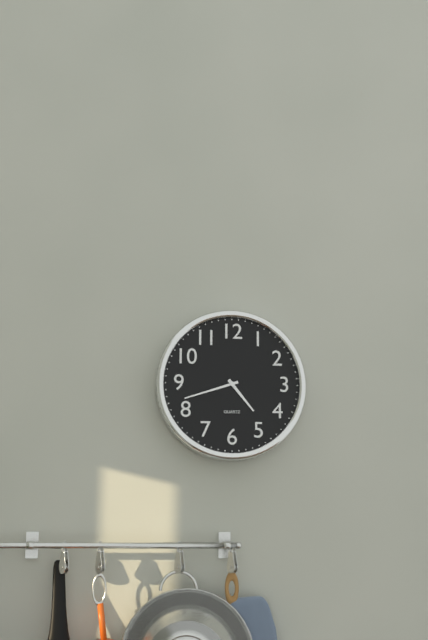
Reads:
{"hour": 4, "minute": 42}
